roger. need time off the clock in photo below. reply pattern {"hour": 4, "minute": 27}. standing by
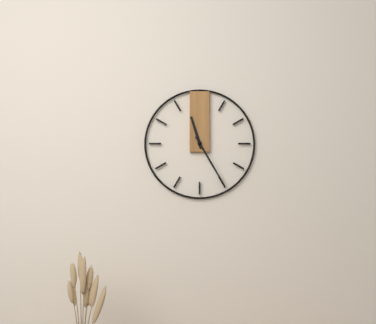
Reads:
{"hour": 11, "minute": 25}
